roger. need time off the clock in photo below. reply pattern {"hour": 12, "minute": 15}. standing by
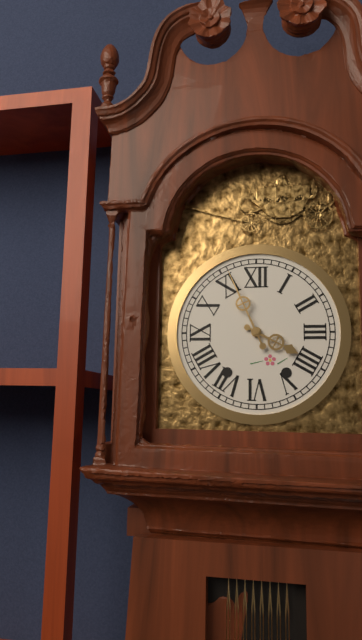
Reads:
{"hour": 3, "minute": 56}
